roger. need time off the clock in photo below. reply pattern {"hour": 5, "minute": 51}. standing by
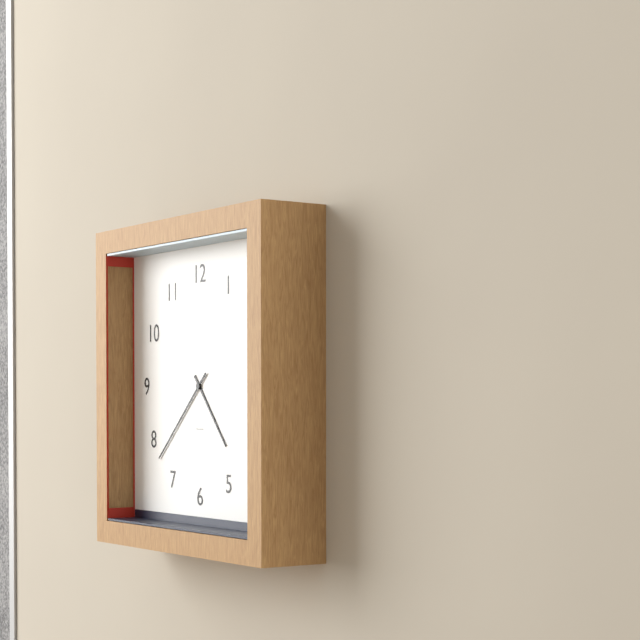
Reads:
{"hour": 4, "minute": 38}
